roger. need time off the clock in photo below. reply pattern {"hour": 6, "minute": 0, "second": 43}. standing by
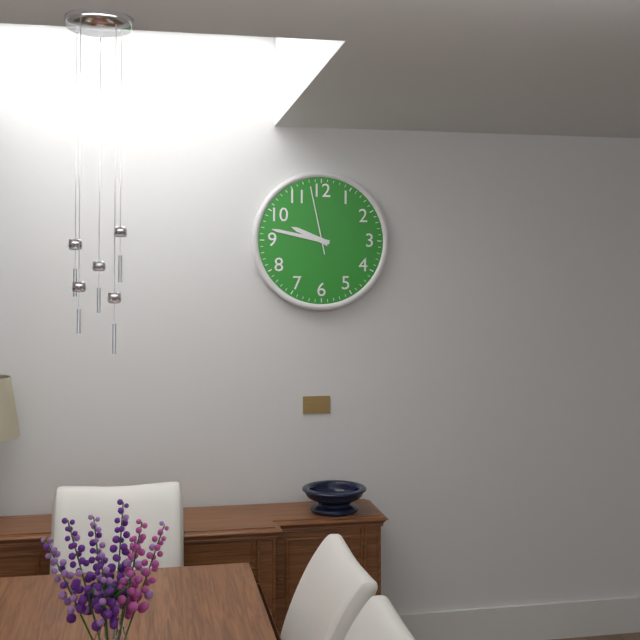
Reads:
{"hour": 9, "minute": 47, "second": 58}
